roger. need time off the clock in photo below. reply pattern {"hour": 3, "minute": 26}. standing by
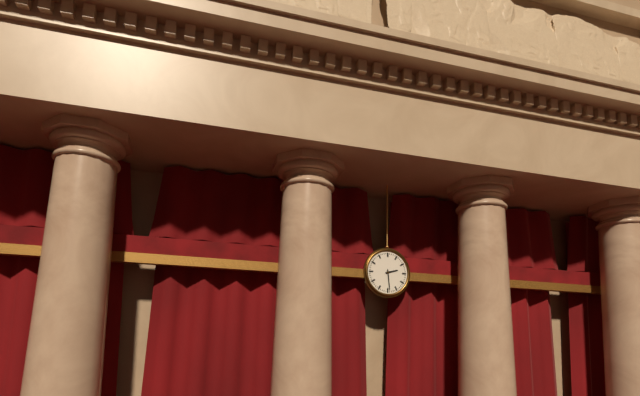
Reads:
{"hour": 2, "minute": 29}
